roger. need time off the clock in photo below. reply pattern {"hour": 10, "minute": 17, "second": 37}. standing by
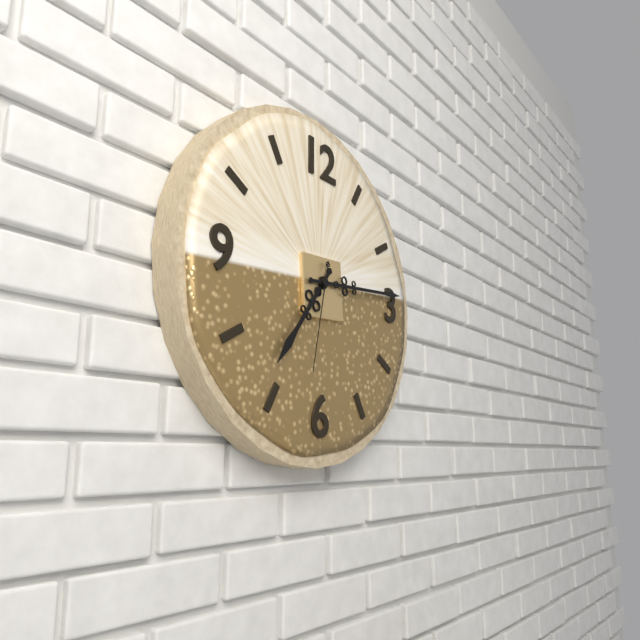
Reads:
{"hour": 7, "minute": 14, "second": 32}
